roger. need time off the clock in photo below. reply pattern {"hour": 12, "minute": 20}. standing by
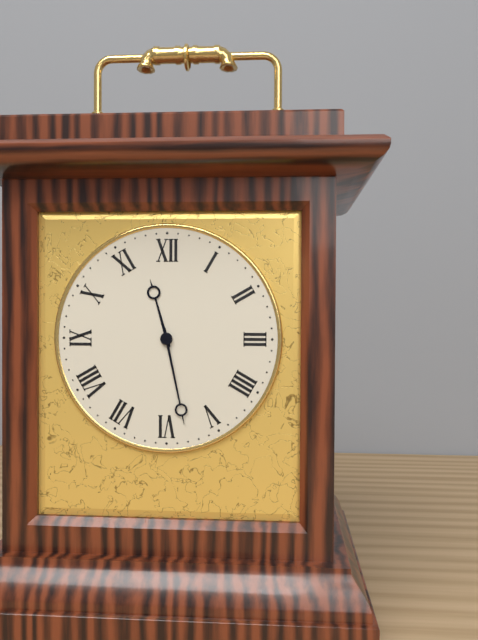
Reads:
{"hour": 11, "minute": 28}
